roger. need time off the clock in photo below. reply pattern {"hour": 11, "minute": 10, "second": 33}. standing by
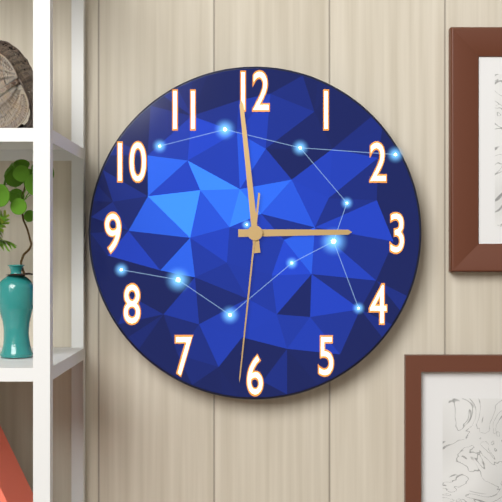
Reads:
{"hour": 2, "minute": 59, "second": 31}
